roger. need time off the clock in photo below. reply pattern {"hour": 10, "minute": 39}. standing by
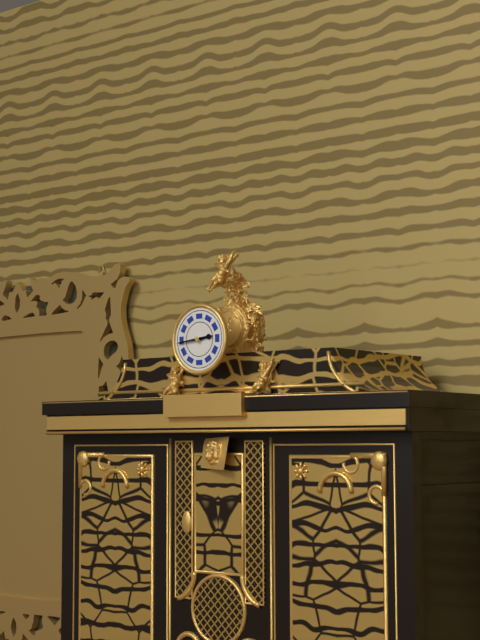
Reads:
{"hour": 2, "minute": 44}
